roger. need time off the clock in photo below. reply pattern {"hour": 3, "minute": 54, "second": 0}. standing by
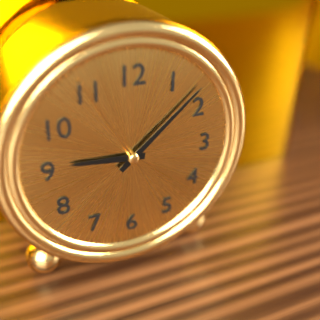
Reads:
{"hour": 9, "minute": 8, "second": 55}
